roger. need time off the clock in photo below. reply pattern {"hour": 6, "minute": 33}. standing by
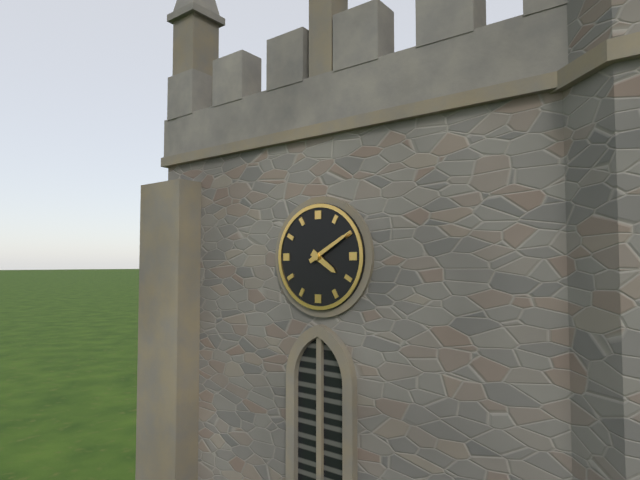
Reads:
{"hour": 4, "minute": 10}
